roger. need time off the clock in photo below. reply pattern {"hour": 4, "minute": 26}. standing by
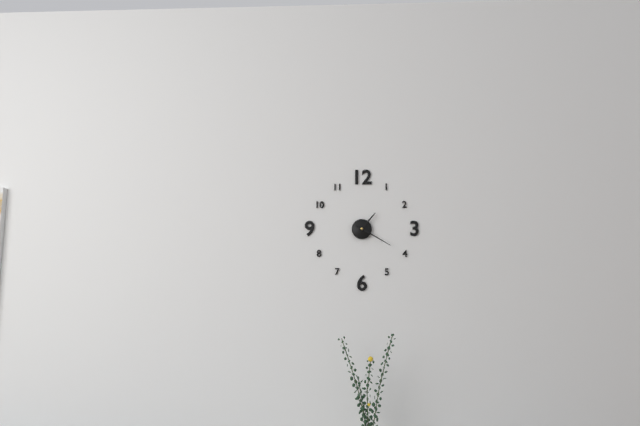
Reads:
{"hour": 1, "minute": 20}
